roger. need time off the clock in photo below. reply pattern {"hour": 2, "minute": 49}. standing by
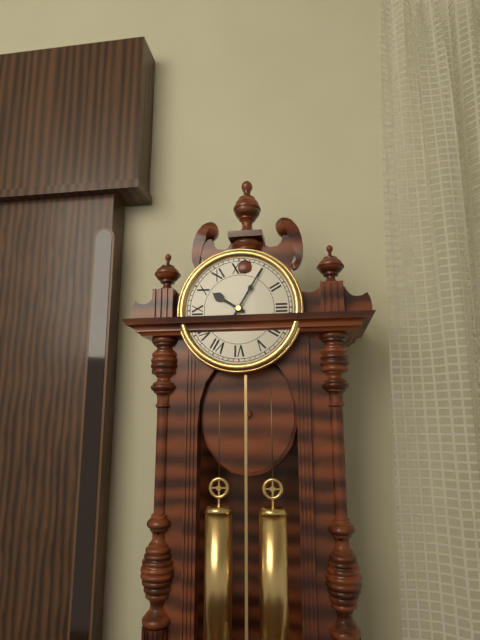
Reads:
{"hour": 10, "minute": 5}
